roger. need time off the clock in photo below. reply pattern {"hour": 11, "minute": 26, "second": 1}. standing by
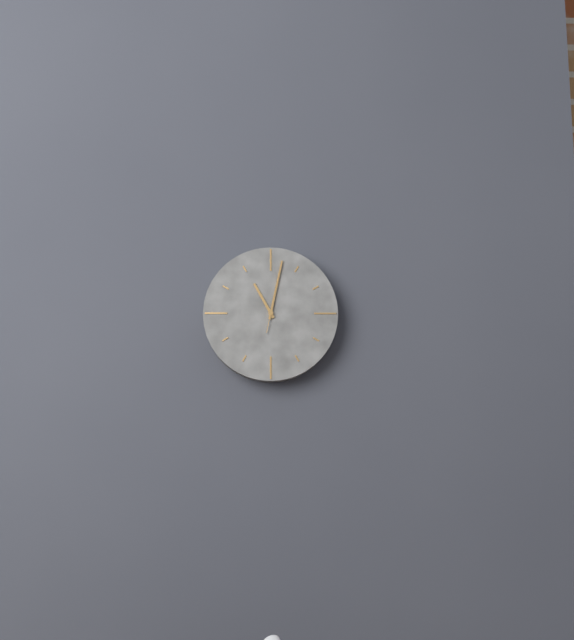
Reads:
{"hour": 11, "minute": 2, "second": 2}
